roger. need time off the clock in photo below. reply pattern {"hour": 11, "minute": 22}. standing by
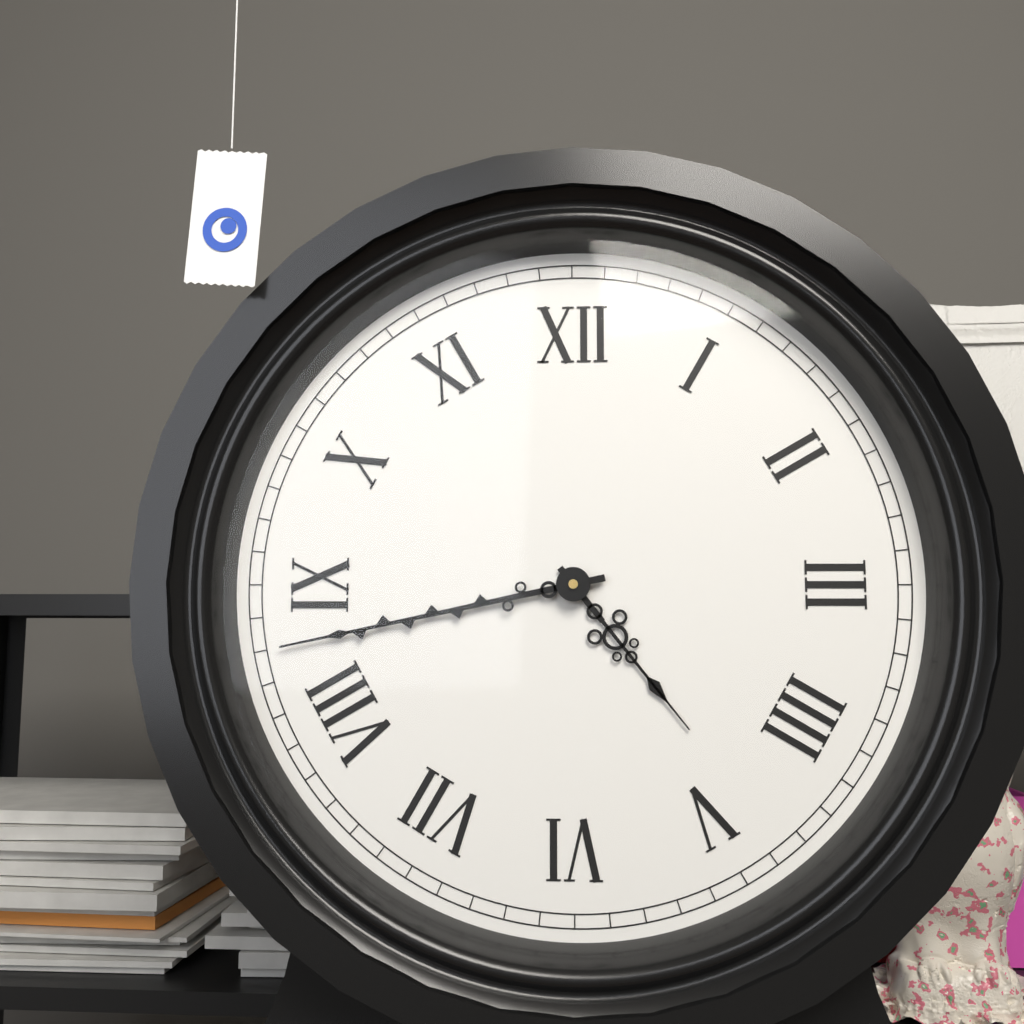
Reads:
{"hour": 4, "minute": 43}
